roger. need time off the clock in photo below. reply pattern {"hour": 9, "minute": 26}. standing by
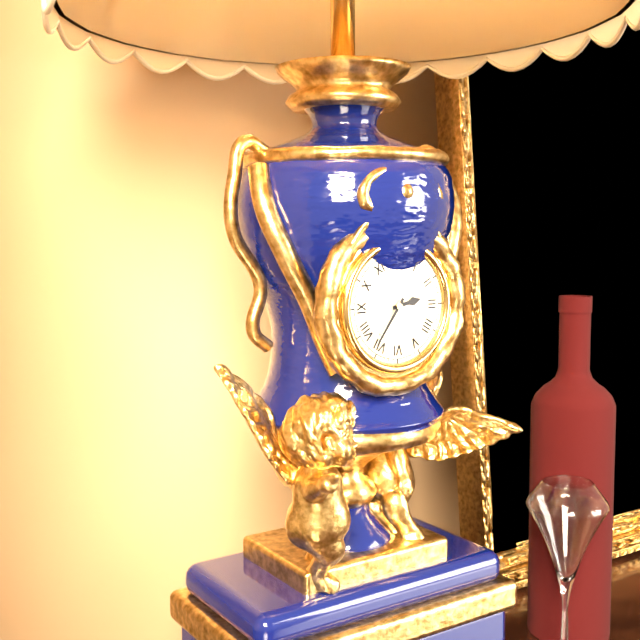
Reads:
{"hour": 2, "minute": 36}
